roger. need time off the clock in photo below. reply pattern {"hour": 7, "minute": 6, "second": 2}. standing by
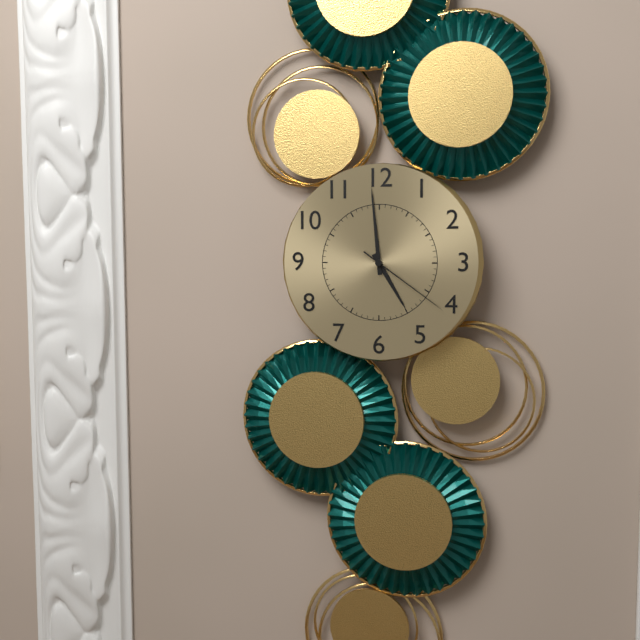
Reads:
{"hour": 4, "minute": 59, "second": 21}
